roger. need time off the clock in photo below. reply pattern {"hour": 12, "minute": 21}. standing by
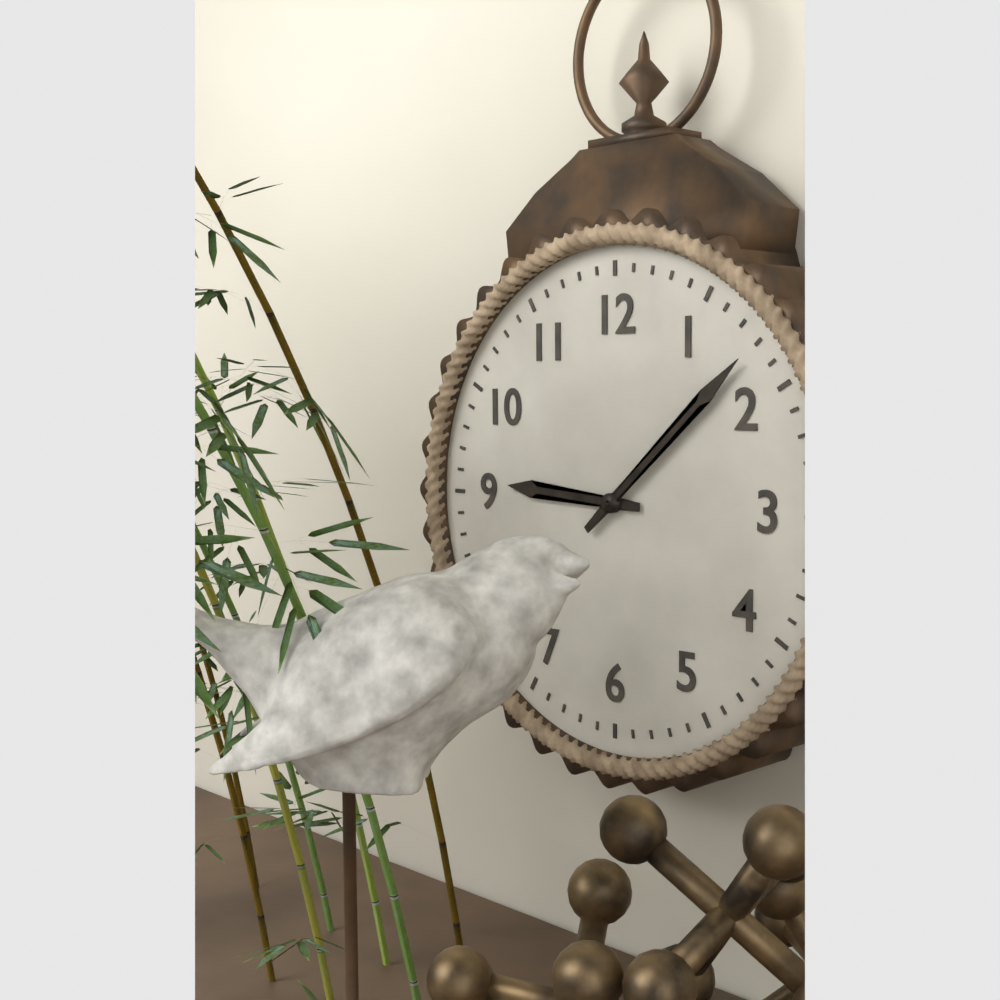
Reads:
{"hour": 9, "minute": 8}
